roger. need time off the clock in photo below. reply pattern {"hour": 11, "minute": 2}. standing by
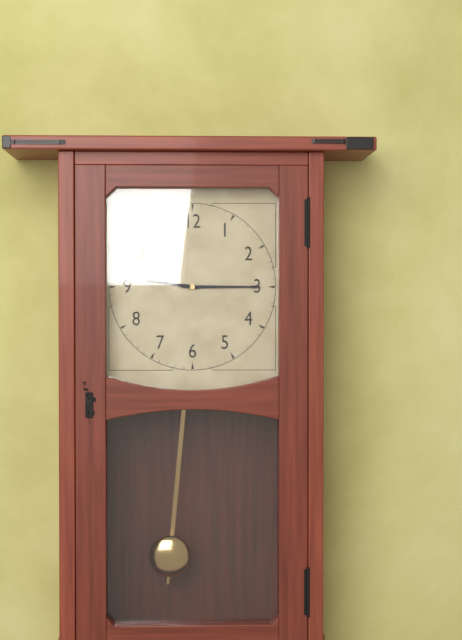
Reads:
{"hour": 9, "minute": 15}
